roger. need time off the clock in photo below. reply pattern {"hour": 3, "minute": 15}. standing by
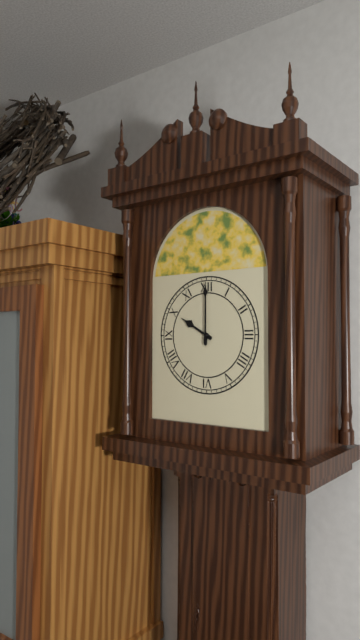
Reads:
{"hour": 10, "minute": 0}
